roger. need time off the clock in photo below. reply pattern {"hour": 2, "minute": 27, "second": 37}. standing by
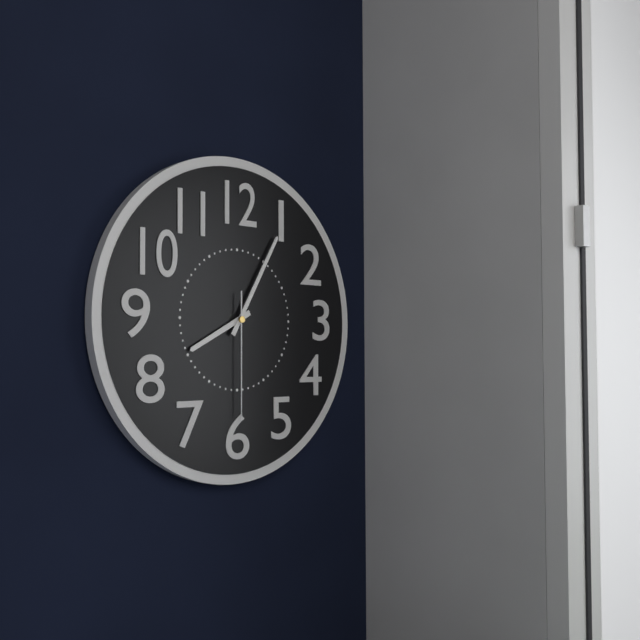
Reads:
{"hour": 8, "minute": 5, "second": 30}
